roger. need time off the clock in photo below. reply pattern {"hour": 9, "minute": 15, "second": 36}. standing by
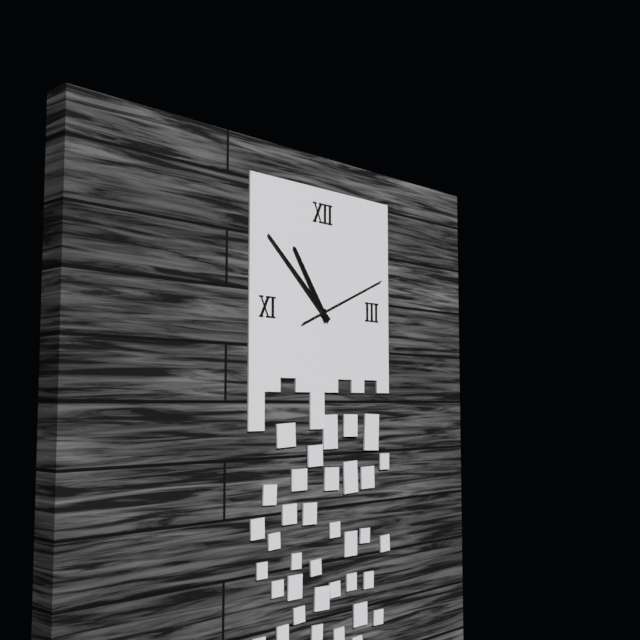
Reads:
{"hour": 10, "minute": 52, "second": 11}
